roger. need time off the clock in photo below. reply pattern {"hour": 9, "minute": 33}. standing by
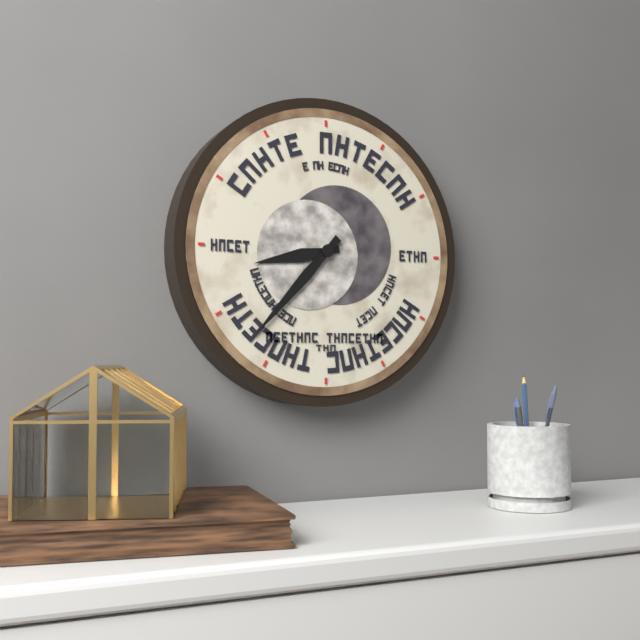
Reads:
{"hour": 8, "minute": 37}
